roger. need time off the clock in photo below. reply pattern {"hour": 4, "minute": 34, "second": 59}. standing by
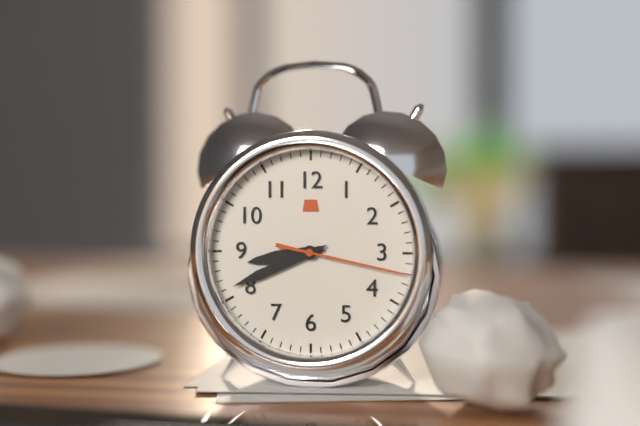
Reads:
{"hour": 8, "minute": 41, "second": 17}
